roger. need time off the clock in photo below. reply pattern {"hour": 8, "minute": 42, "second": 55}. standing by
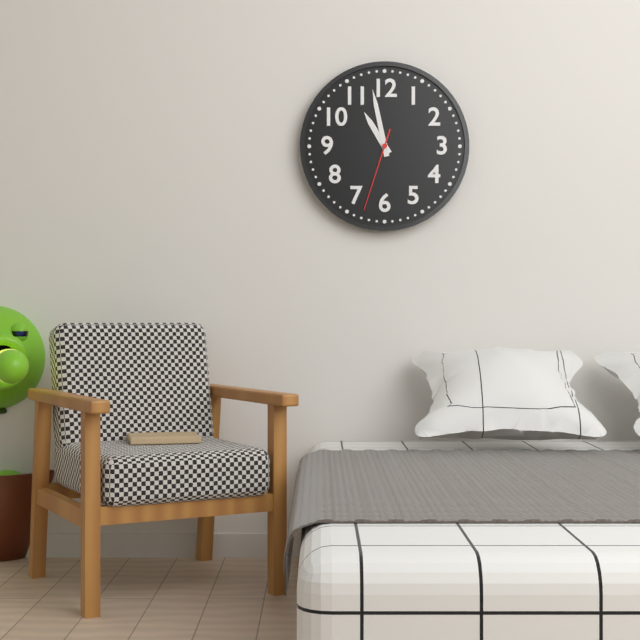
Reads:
{"hour": 10, "minute": 58, "second": 33}
